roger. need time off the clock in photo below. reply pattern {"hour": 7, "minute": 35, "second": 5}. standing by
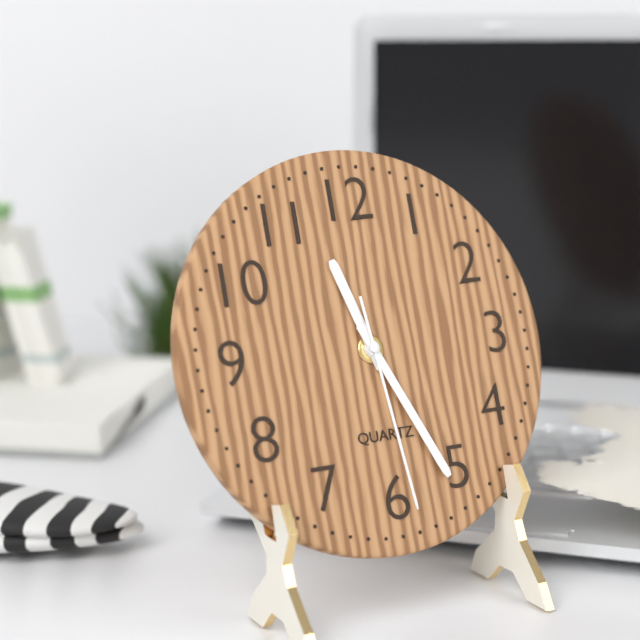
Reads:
{"hour": 11, "minute": 26, "second": 29}
